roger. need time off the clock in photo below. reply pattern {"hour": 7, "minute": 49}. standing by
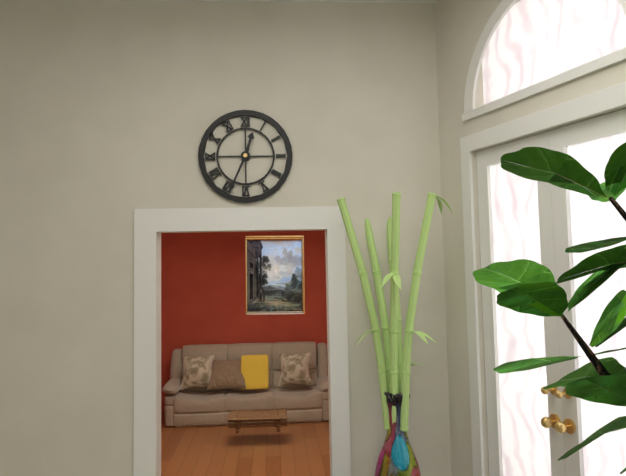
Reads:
{"hour": 12, "minute": 34}
